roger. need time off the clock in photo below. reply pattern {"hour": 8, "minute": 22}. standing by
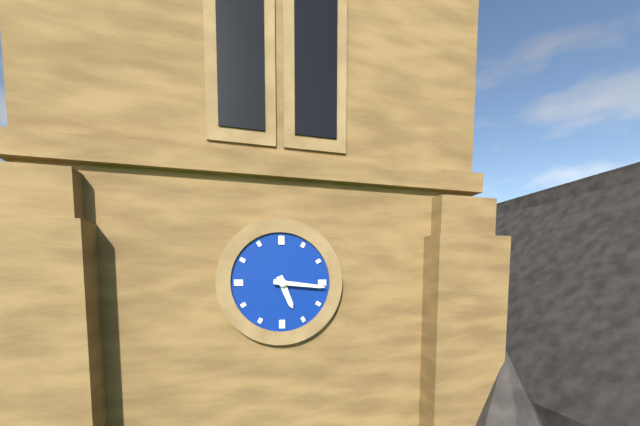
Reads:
{"hour": 5, "minute": 16}
